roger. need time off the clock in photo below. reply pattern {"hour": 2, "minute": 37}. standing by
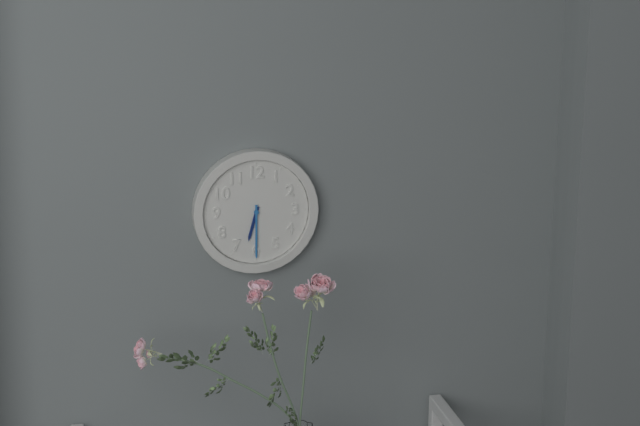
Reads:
{"hour": 6, "minute": 30}
